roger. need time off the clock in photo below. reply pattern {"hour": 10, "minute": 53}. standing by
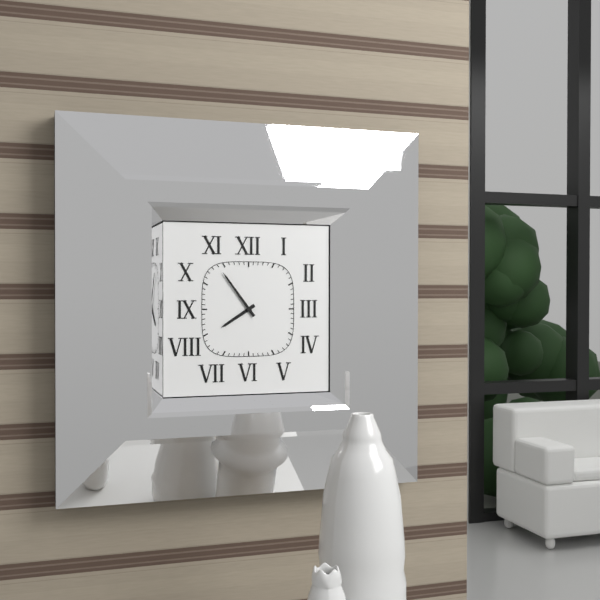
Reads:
{"hour": 7, "minute": 54}
